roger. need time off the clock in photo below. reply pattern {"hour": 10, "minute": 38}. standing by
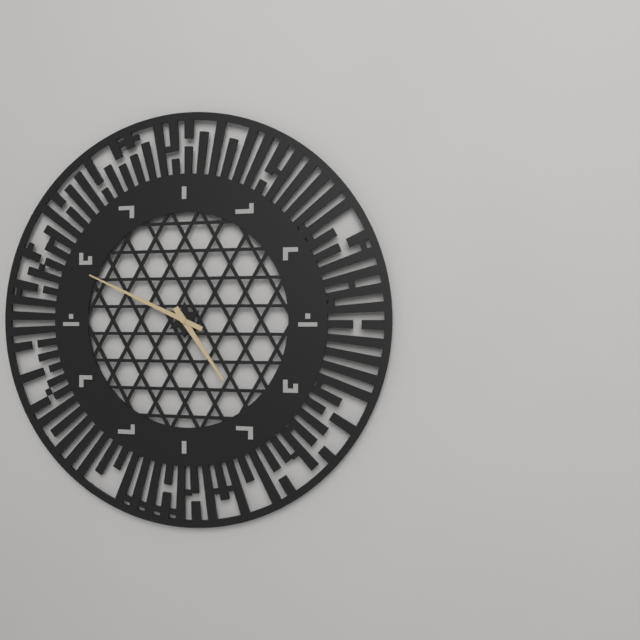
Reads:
{"hour": 4, "minute": 49}
